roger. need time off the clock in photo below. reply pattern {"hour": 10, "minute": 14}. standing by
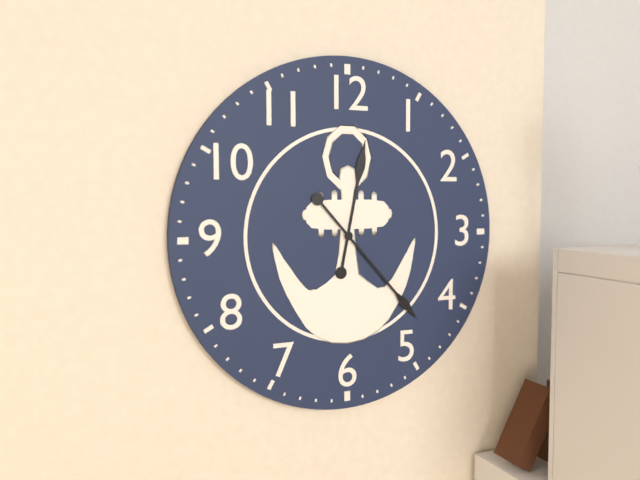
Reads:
{"hour": 12, "minute": 23}
